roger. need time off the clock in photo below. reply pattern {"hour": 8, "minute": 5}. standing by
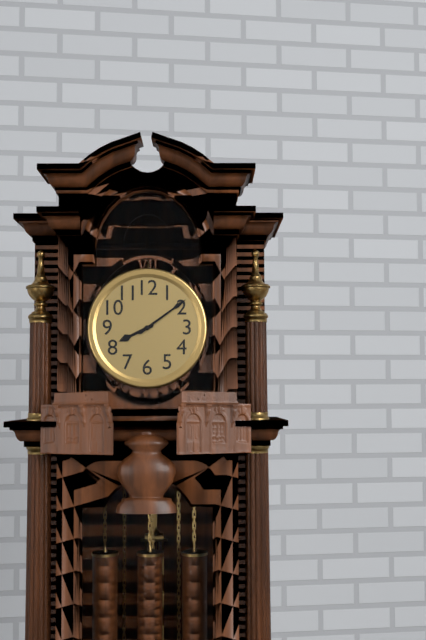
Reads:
{"hour": 8, "minute": 9}
